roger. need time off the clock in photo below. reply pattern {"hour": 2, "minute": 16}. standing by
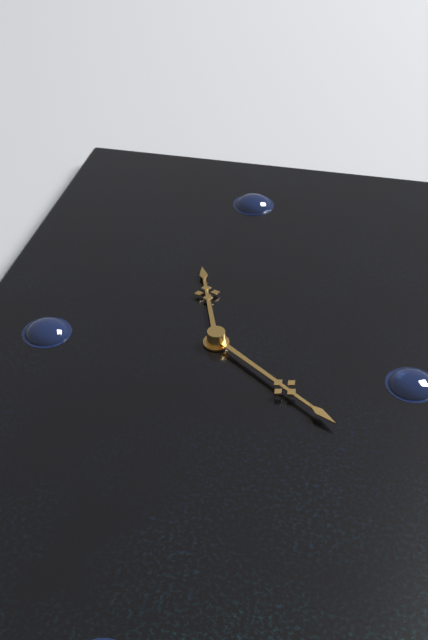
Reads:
{"hour": 11, "minute": 21}
